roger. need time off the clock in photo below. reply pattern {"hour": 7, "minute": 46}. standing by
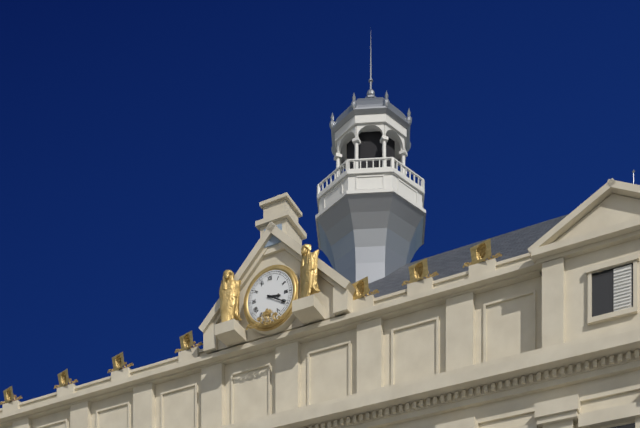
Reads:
{"hour": 3, "minute": 20}
